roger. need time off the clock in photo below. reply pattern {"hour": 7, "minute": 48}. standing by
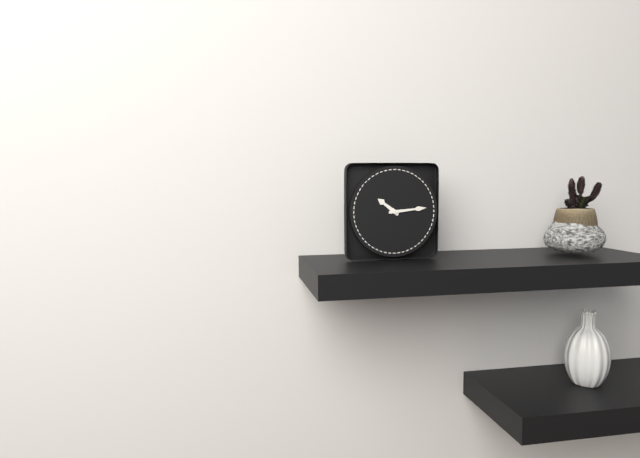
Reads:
{"hour": 10, "minute": 14}
